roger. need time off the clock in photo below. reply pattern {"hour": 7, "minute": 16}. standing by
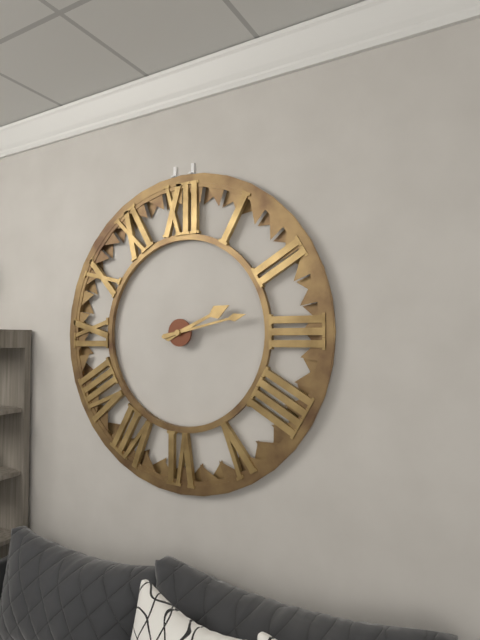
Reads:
{"hour": 2, "minute": 13}
